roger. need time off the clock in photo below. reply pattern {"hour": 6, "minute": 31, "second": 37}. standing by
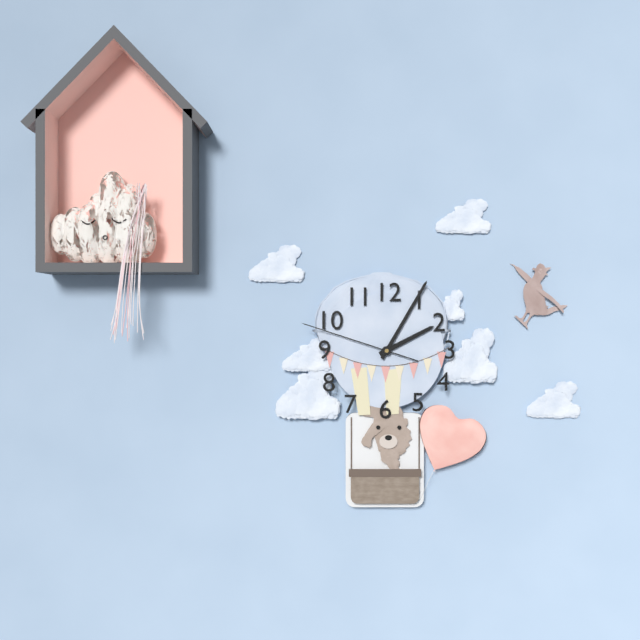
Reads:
{"hour": 2, "minute": 5, "second": 48}
